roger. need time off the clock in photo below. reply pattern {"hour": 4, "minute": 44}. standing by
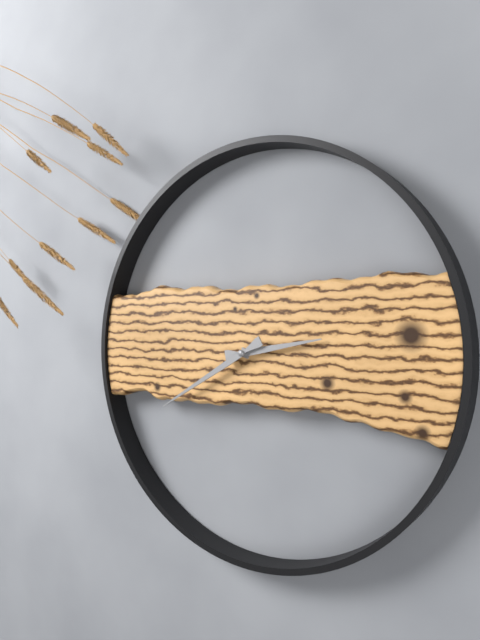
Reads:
{"hour": 2, "minute": 40}
